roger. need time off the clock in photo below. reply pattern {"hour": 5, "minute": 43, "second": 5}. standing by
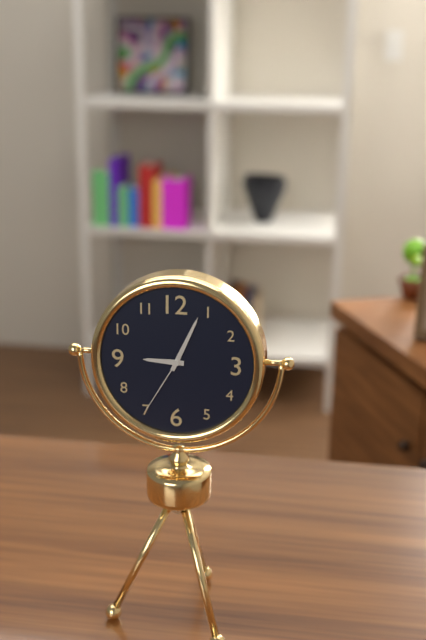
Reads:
{"hour": 9, "minute": 4, "second": 35}
